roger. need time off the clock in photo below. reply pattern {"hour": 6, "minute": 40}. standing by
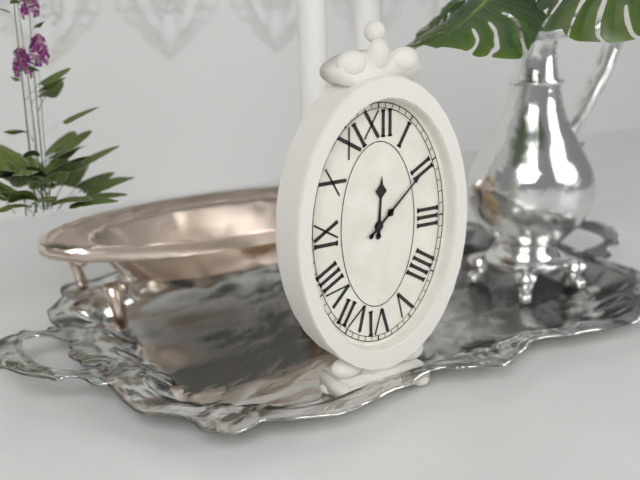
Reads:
{"hour": 12, "minute": 8}
